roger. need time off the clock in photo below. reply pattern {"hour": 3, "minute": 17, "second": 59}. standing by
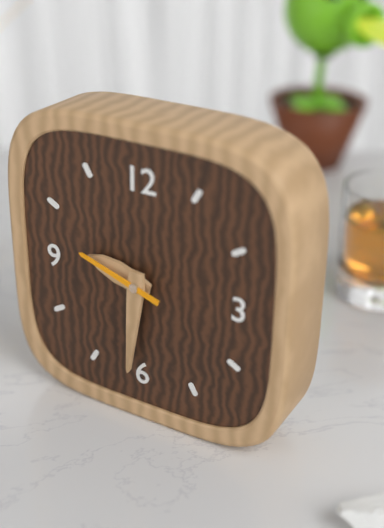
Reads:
{"hour": 9, "minute": 31, "second": 48}
